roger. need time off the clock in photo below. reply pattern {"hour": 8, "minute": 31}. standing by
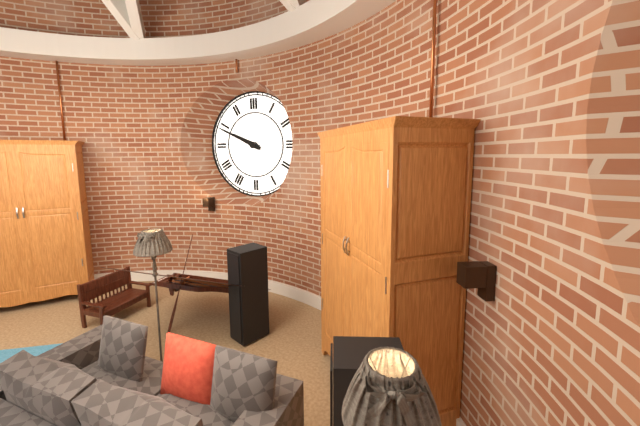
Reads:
{"hour": 9, "minute": 49}
